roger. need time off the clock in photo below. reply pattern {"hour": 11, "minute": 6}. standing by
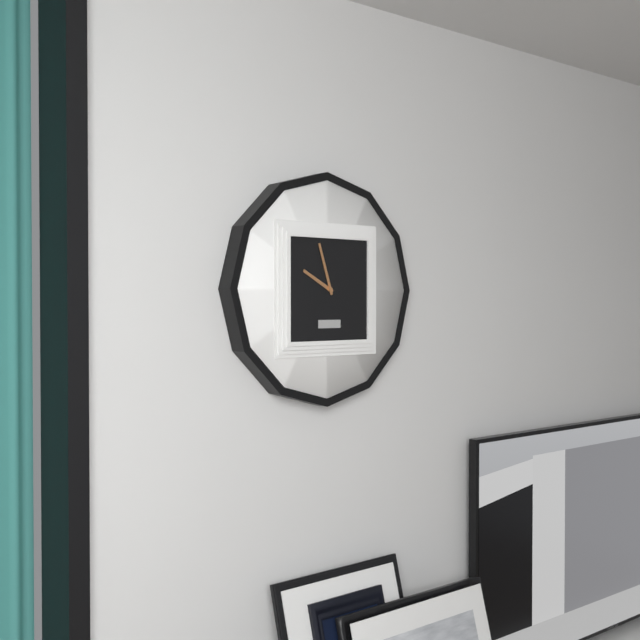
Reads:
{"hour": 9, "minute": 57}
